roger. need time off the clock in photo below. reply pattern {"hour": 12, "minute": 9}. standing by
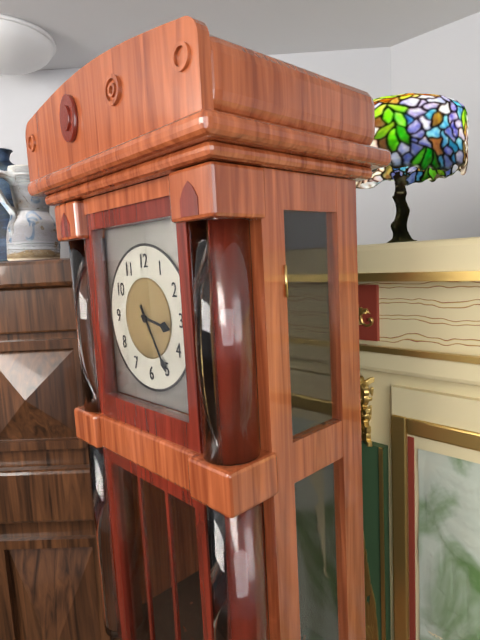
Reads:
{"hour": 3, "minute": 25}
